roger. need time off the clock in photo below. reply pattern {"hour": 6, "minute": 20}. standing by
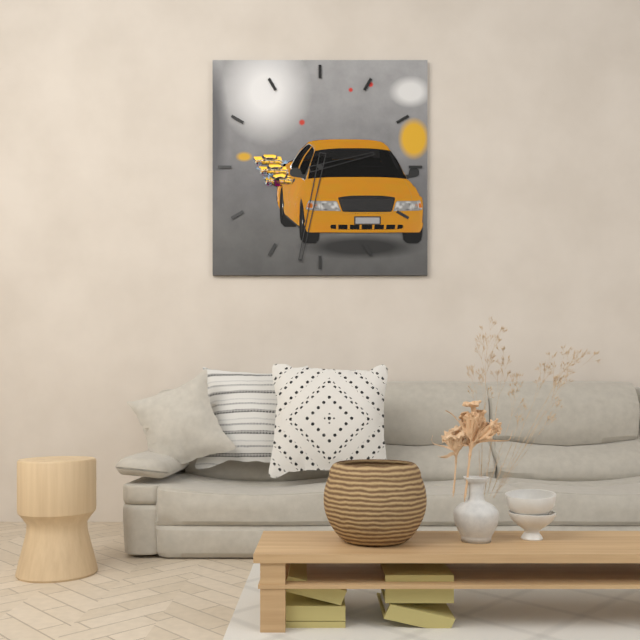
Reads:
{"hour": 2, "minute": 32}
